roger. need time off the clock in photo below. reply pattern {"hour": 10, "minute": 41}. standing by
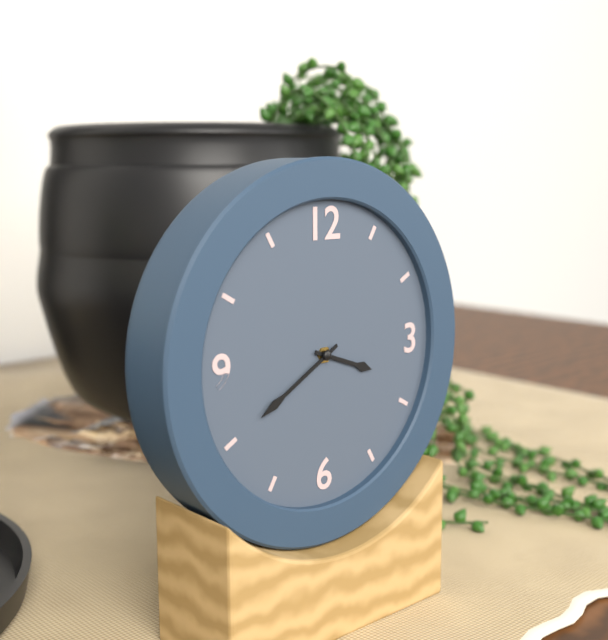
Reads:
{"hour": 3, "minute": 40}
